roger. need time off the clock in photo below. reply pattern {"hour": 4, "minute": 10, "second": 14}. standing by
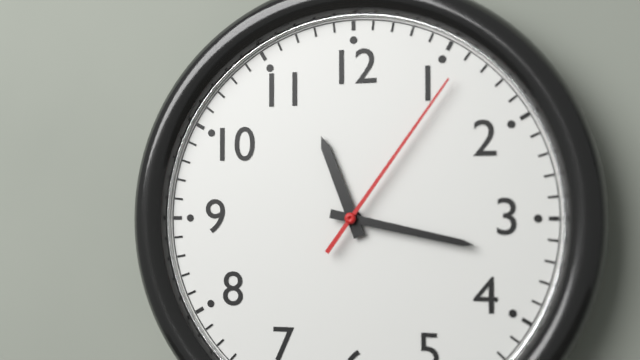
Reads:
{"hour": 11, "minute": 17, "second": 6}
